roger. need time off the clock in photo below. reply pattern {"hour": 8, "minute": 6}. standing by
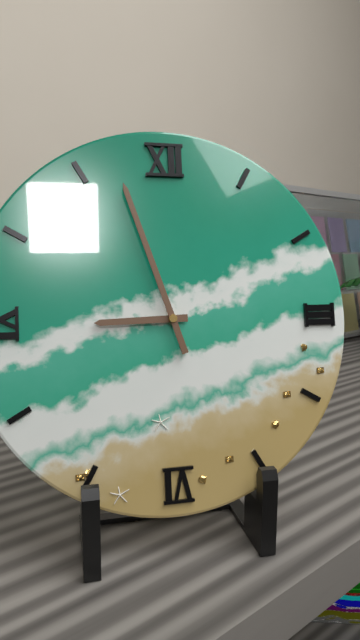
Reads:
{"hour": 8, "minute": 57}
